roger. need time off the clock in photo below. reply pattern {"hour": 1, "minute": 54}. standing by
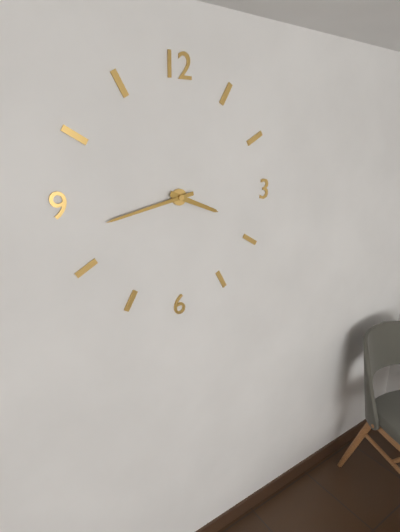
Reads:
{"hour": 3, "minute": 43}
